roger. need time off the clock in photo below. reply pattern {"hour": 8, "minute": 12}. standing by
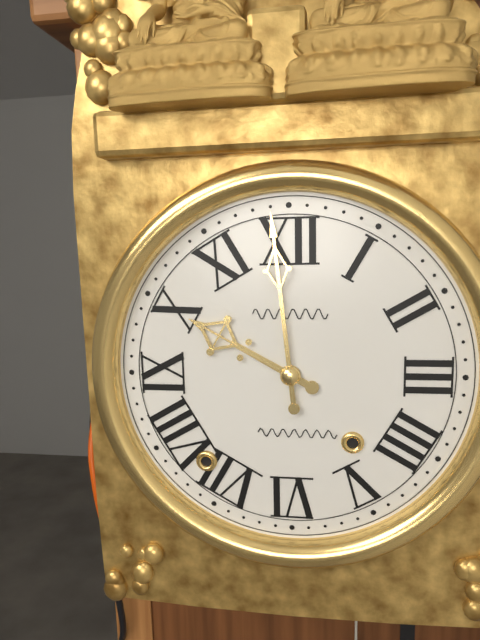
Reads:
{"hour": 9, "minute": 59}
